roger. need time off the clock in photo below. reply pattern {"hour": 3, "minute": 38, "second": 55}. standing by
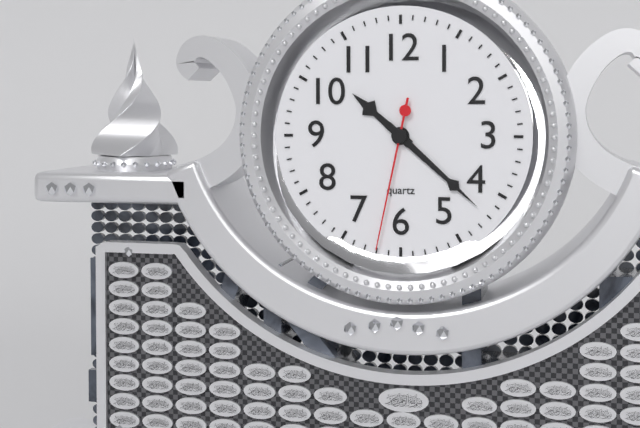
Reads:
{"hour": 10, "minute": 22, "second": 32}
